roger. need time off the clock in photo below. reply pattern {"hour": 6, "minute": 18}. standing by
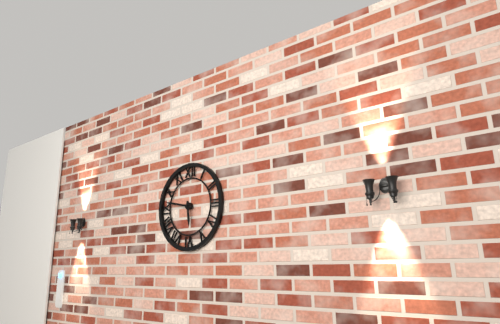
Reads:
{"hour": 5, "minute": 47}
